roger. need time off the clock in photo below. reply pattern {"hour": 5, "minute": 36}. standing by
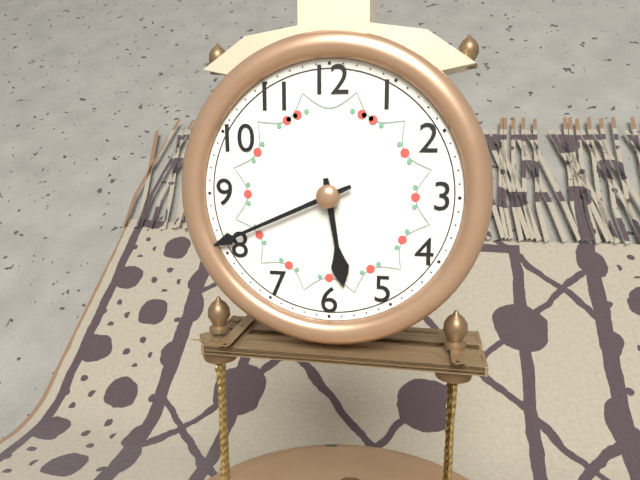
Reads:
{"hour": 5, "minute": 41}
